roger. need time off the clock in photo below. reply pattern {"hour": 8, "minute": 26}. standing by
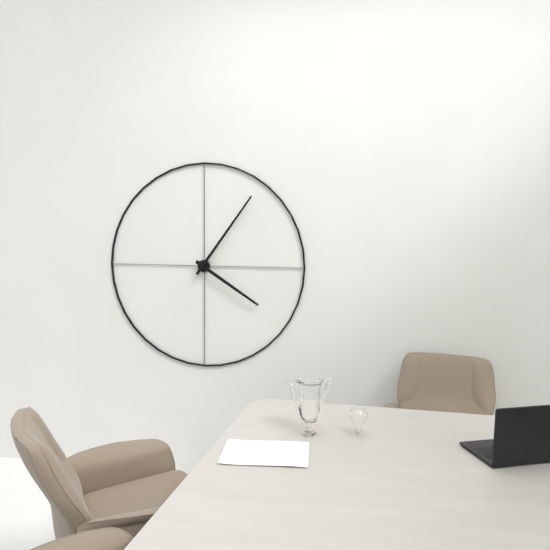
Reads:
{"hour": 4, "minute": 6}
